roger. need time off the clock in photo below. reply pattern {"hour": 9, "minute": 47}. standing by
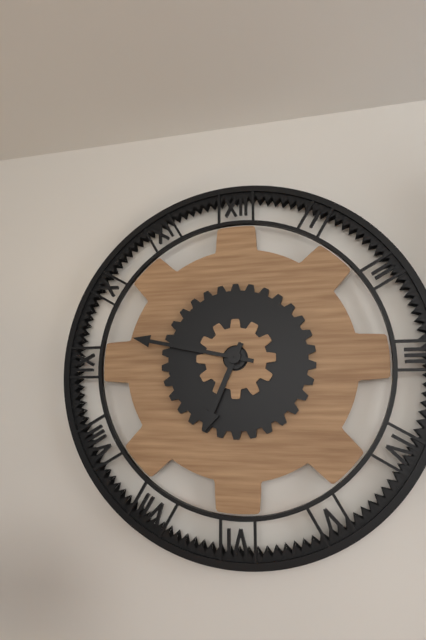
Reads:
{"hour": 6, "minute": 47}
